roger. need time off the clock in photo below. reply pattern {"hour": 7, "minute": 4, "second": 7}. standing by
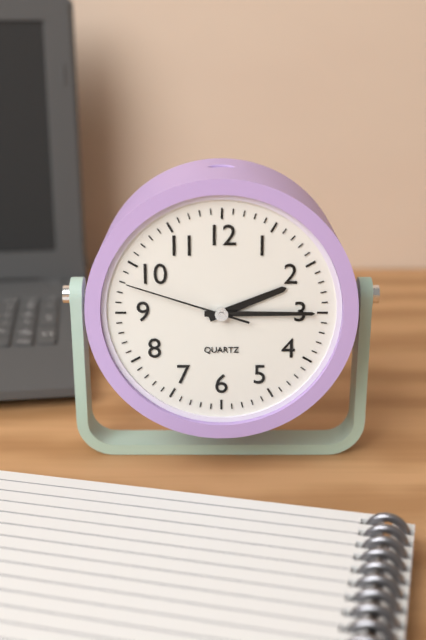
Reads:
{"hour": 2, "minute": 15, "second": 48}
